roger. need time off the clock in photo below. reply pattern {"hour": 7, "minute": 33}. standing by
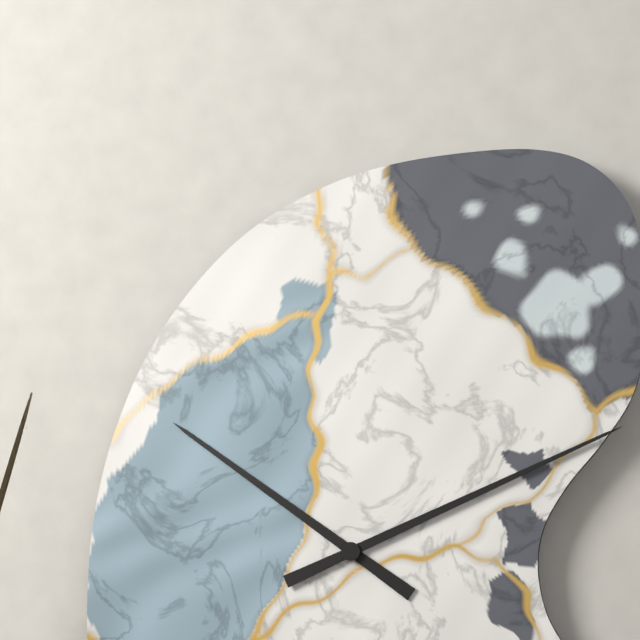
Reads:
{"hour": 10, "minute": 11}
